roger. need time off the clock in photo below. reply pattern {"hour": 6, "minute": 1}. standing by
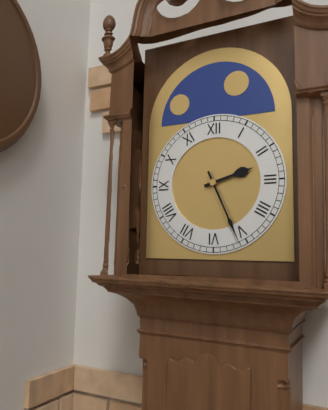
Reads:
{"hour": 2, "minute": 26}
